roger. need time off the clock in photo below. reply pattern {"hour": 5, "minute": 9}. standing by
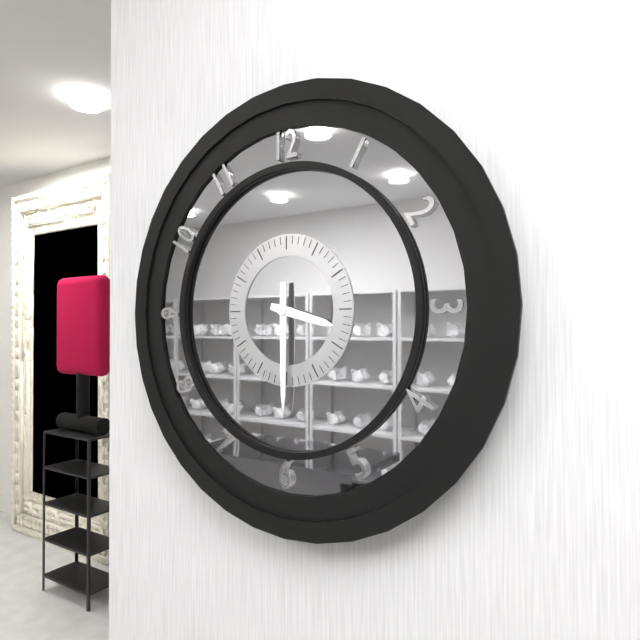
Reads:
{"hour": 3, "minute": 30}
